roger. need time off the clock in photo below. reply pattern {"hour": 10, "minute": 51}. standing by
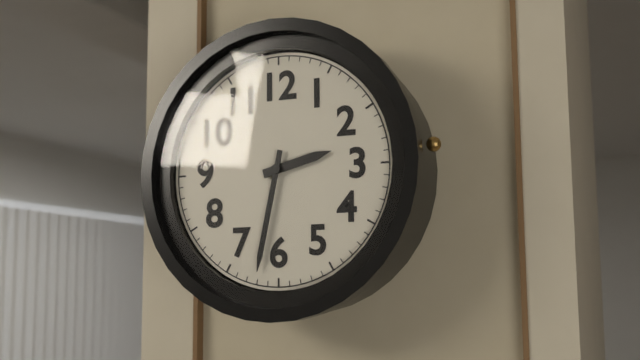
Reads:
{"hour": 2, "minute": 32}
